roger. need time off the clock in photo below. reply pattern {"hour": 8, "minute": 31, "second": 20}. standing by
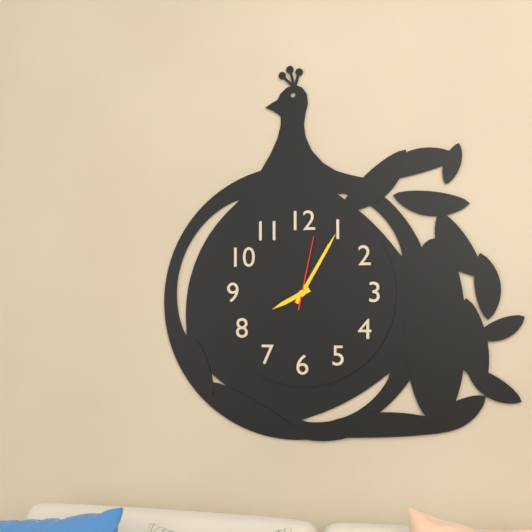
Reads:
{"hour": 8, "minute": 5, "second": 2}
